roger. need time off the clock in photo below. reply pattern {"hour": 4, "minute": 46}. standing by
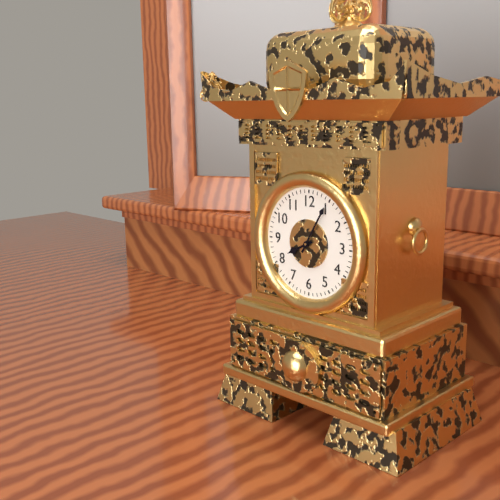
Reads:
{"hour": 8, "minute": 5}
